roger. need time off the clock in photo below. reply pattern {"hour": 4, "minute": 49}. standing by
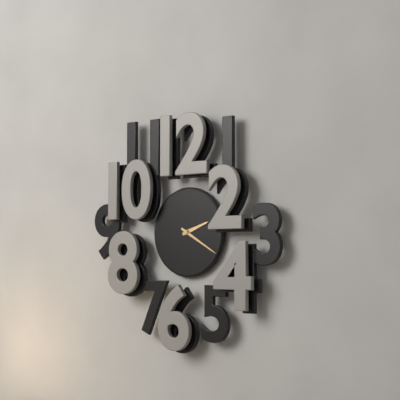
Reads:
{"hour": 2, "minute": 20}
